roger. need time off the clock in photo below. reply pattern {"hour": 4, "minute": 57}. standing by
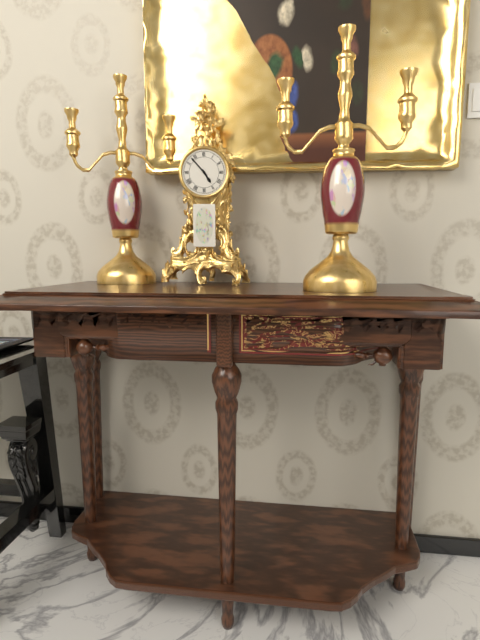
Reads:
{"hour": 4, "minute": 53}
